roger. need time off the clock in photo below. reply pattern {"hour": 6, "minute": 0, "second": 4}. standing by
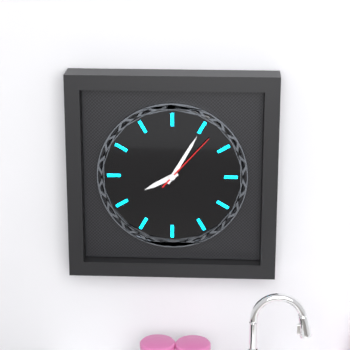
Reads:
{"hour": 8, "minute": 5, "second": 7}
